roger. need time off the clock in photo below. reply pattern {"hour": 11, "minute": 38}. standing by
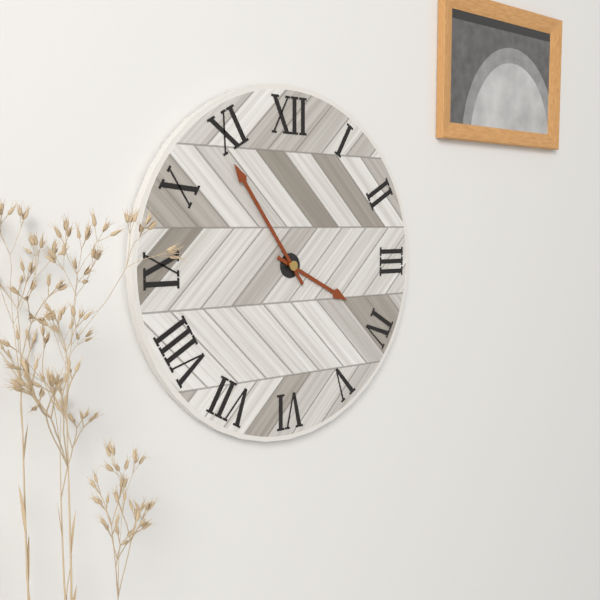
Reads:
{"hour": 3, "minute": 54}
